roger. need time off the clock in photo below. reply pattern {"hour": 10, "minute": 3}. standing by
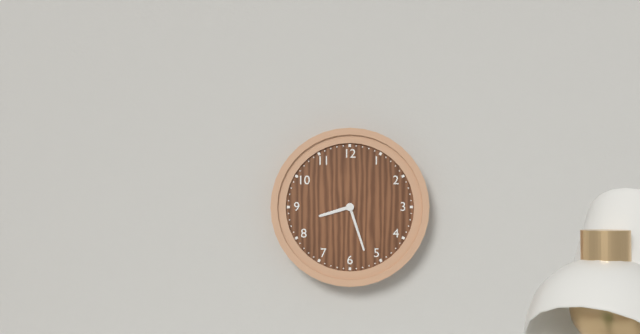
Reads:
{"hour": 8, "minute": 27}
